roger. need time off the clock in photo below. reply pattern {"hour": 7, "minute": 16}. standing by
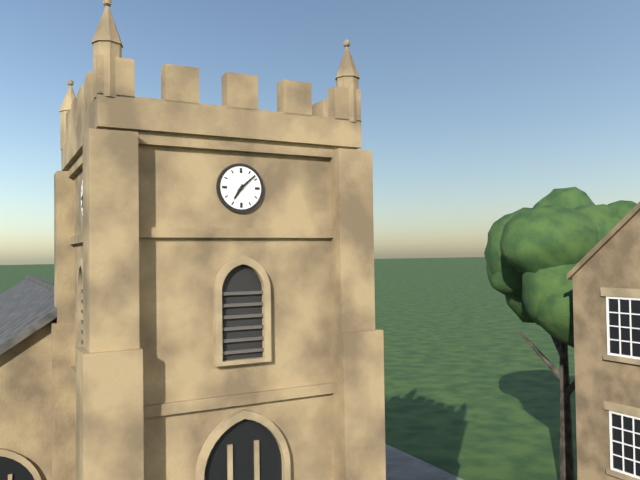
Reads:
{"hour": 7, "minute": 8}
